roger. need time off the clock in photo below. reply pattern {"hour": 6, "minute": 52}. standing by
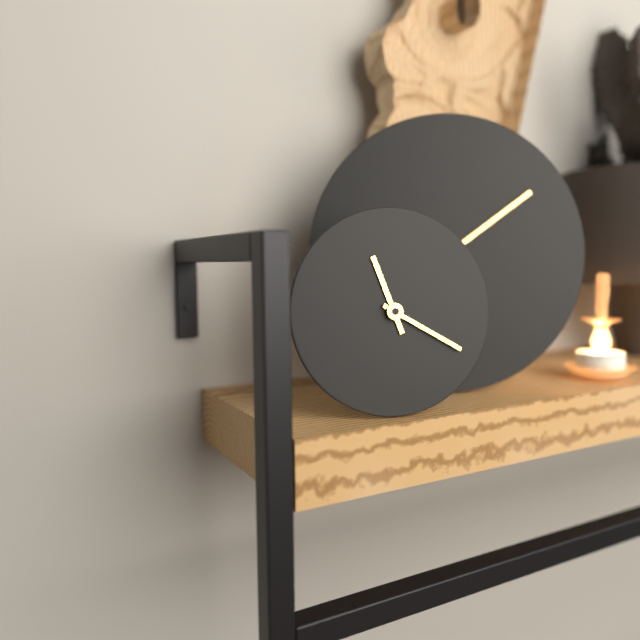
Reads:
{"hour": 11, "minute": 20}
